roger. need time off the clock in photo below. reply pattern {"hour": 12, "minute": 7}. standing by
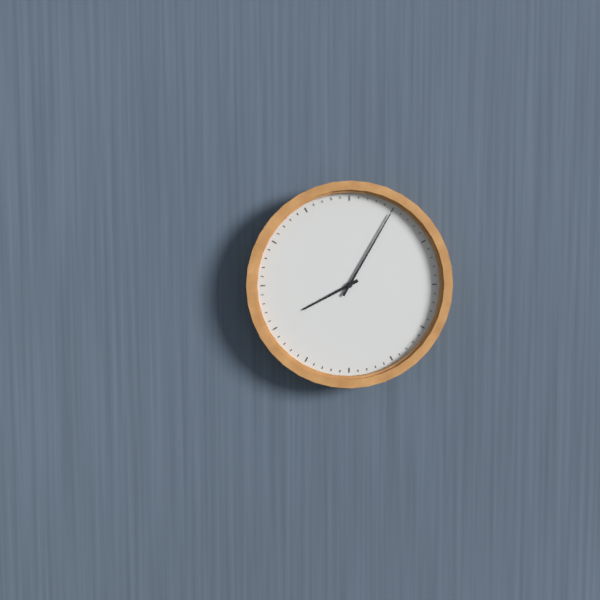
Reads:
{"hour": 8, "minute": 5}
